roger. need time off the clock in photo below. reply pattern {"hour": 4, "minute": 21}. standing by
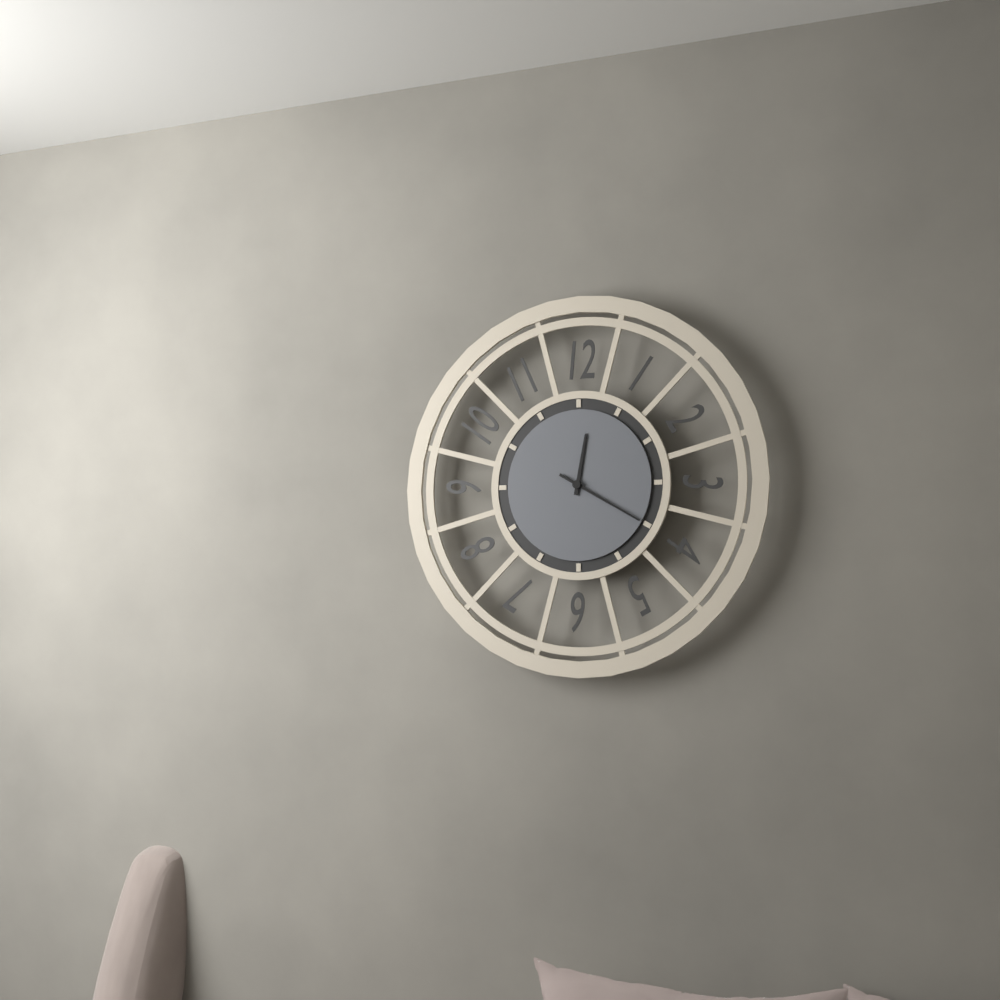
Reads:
{"hour": 12, "minute": 20}
